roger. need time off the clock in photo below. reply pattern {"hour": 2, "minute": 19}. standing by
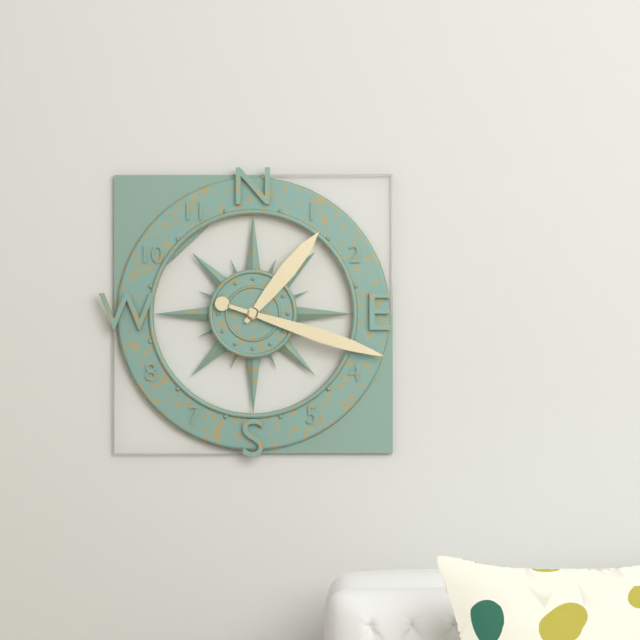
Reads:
{"hour": 1, "minute": 18}
